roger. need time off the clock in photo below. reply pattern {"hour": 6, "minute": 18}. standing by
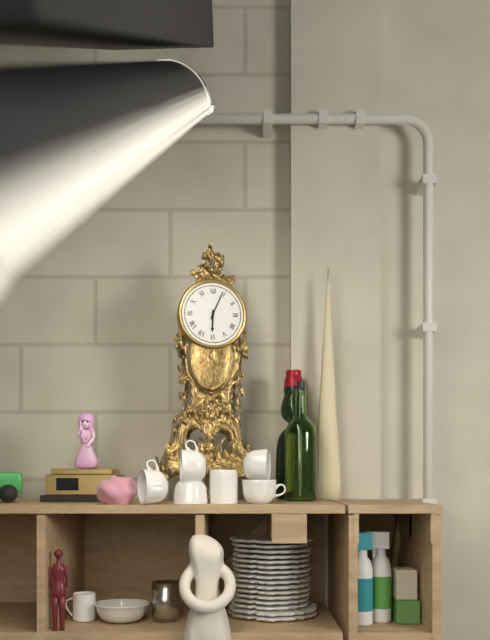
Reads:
{"hour": 6, "minute": 4}
